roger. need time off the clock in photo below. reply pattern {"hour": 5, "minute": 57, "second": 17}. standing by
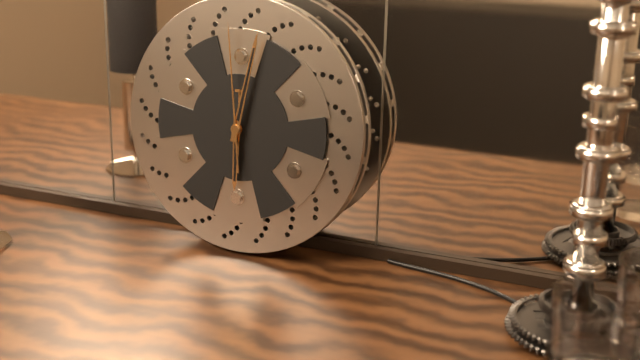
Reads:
{"hour": 6, "minute": 2, "second": 59}
